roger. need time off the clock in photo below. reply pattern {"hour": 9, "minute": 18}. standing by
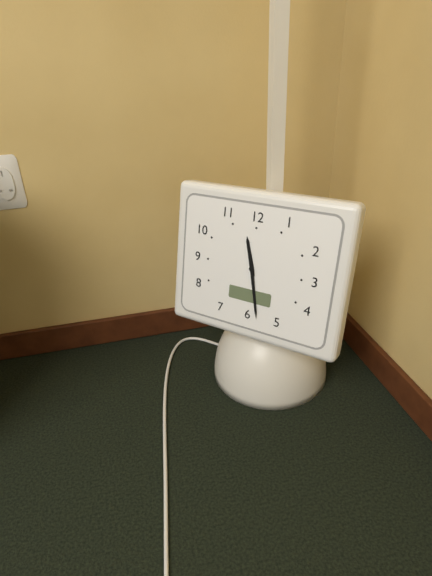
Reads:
{"hour": 11, "minute": 28}
